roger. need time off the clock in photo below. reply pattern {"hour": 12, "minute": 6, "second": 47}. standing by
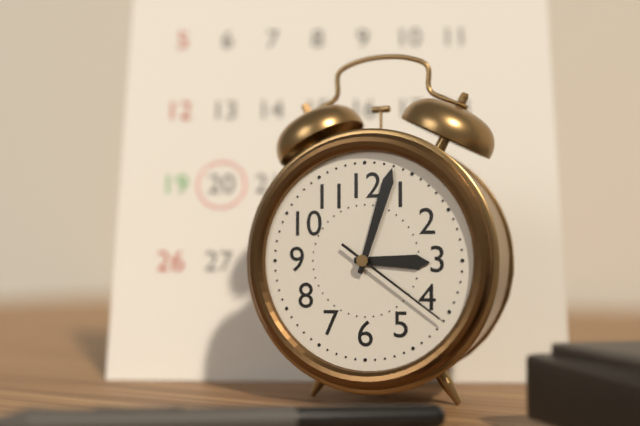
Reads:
{"hour": 3, "minute": 3, "second": 21}
